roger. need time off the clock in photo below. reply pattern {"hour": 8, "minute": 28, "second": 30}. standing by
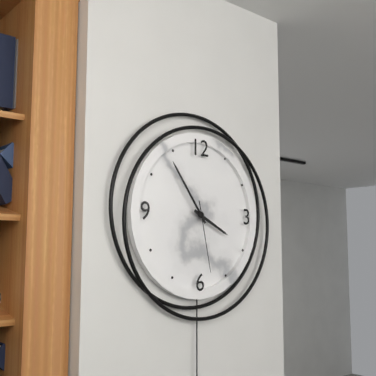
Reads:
{"hour": 3, "minute": 54, "second": 28}
